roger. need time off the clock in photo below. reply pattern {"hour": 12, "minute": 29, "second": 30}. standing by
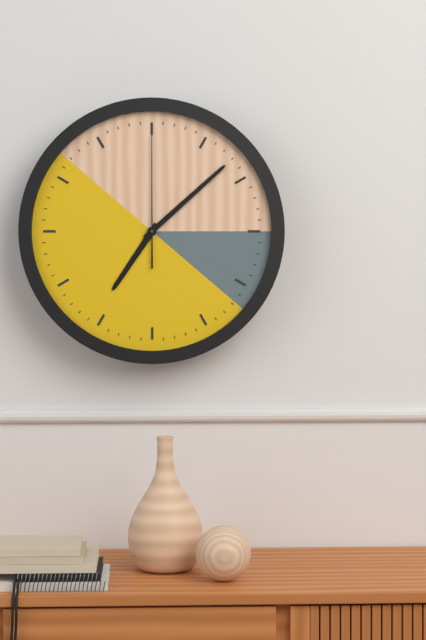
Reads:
{"hour": 7, "minute": 8, "second": 0}
